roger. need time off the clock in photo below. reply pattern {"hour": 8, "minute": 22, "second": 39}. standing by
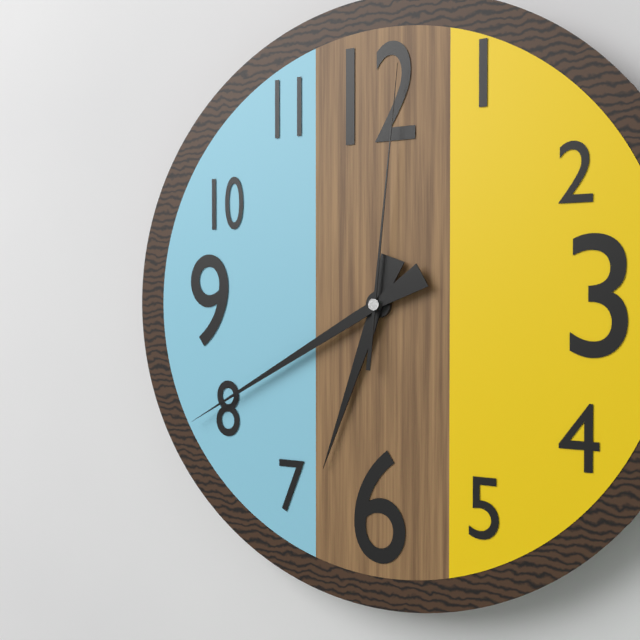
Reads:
{"hour": 6, "minute": 40, "second": 1}
